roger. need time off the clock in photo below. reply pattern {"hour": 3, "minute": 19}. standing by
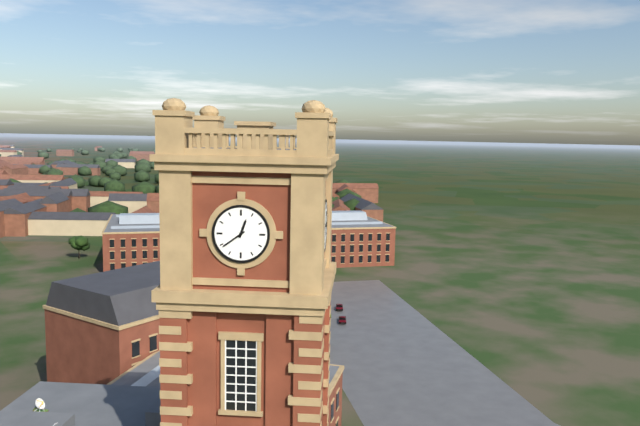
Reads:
{"hour": 12, "minute": 39}
